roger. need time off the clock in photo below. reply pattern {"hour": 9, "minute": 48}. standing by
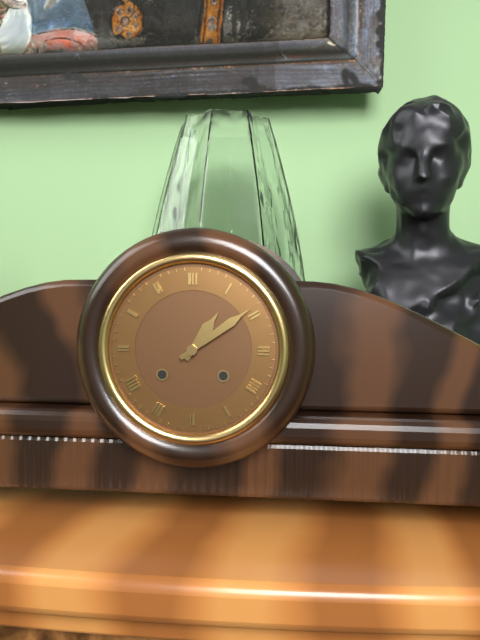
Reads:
{"hour": 1, "minute": 9}
